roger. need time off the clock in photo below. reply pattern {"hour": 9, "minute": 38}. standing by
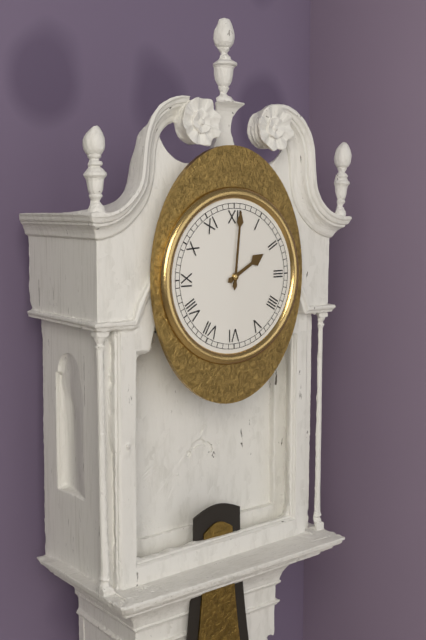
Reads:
{"hour": 2, "minute": 1}
